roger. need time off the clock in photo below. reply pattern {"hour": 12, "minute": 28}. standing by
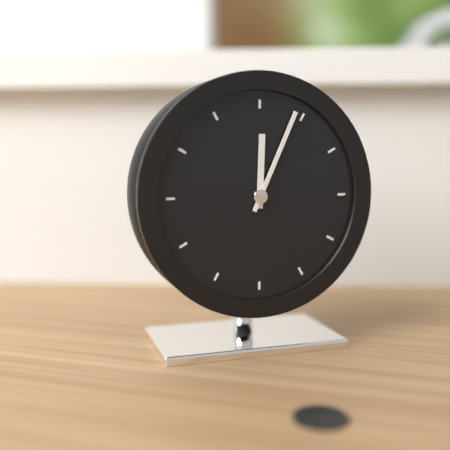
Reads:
{"hour": 12, "minute": 4}
